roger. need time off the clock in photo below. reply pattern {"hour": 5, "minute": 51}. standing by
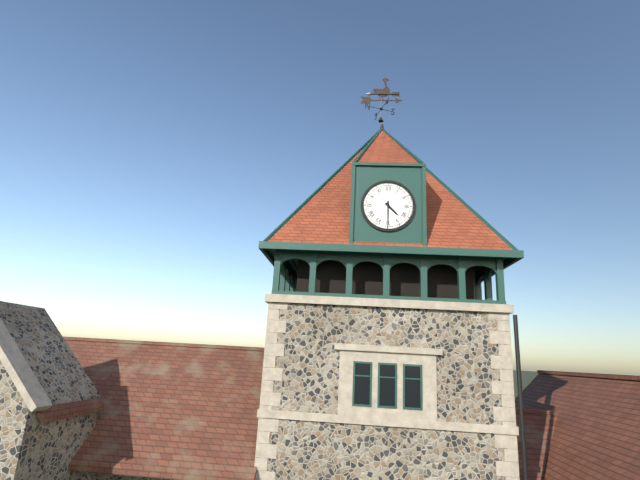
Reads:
{"hour": 4, "minute": 30}
